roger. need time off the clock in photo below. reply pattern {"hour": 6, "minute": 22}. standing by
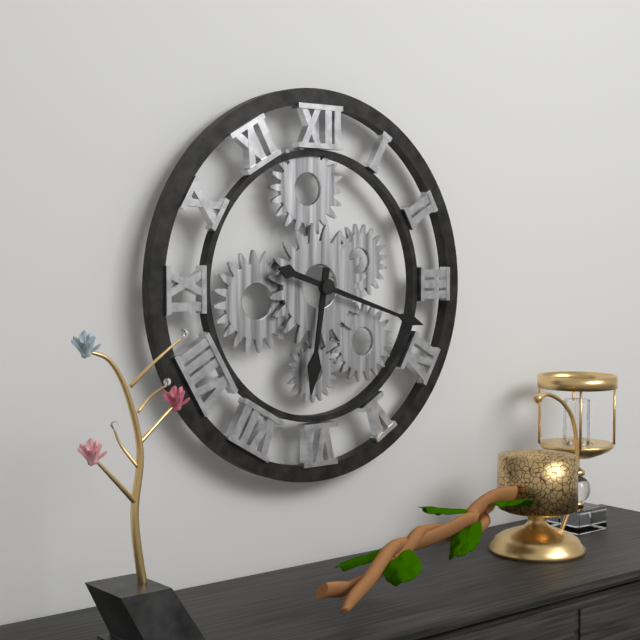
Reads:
{"hour": 6, "minute": 18}
